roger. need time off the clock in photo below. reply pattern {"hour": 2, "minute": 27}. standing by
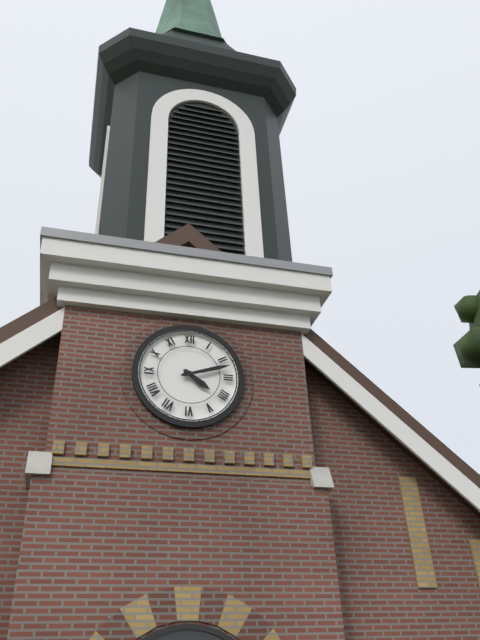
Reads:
{"hour": 4, "minute": 12}
